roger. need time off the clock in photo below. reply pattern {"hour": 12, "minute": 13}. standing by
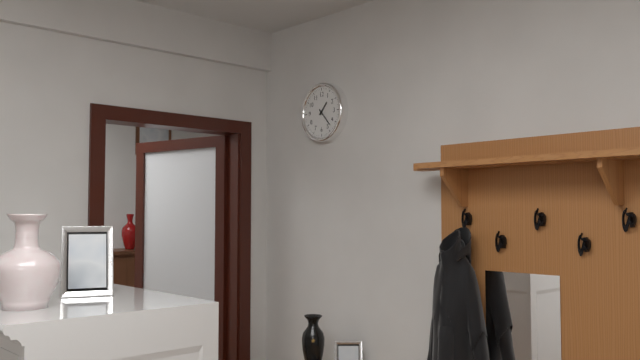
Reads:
{"hour": 1, "minute": 23}
